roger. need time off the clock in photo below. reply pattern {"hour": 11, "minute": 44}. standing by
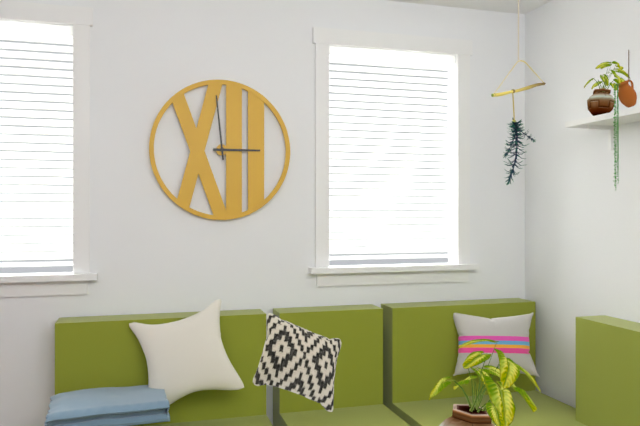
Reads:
{"hour": 2, "minute": 59}
